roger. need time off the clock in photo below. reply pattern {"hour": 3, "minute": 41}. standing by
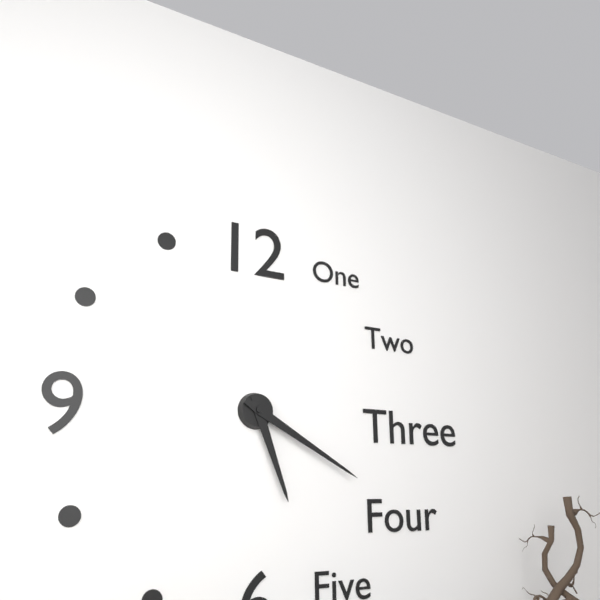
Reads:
{"hour": 5, "minute": 20}
